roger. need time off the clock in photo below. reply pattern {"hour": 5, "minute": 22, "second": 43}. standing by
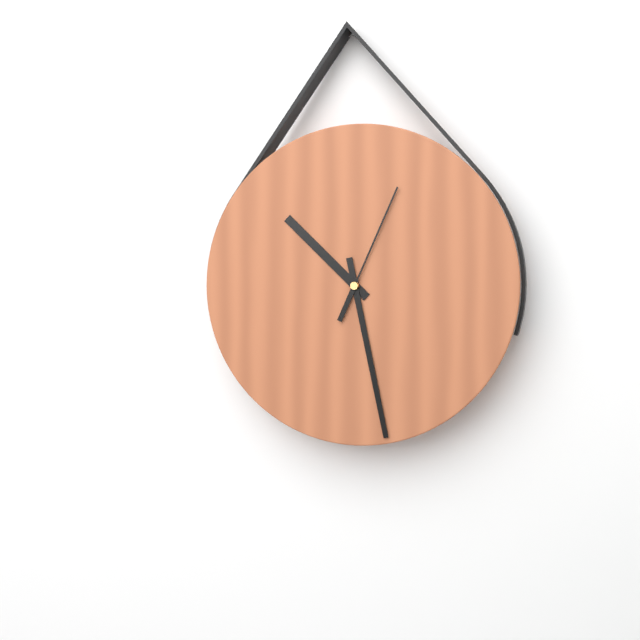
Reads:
{"hour": 10, "minute": 28, "second": 4}
